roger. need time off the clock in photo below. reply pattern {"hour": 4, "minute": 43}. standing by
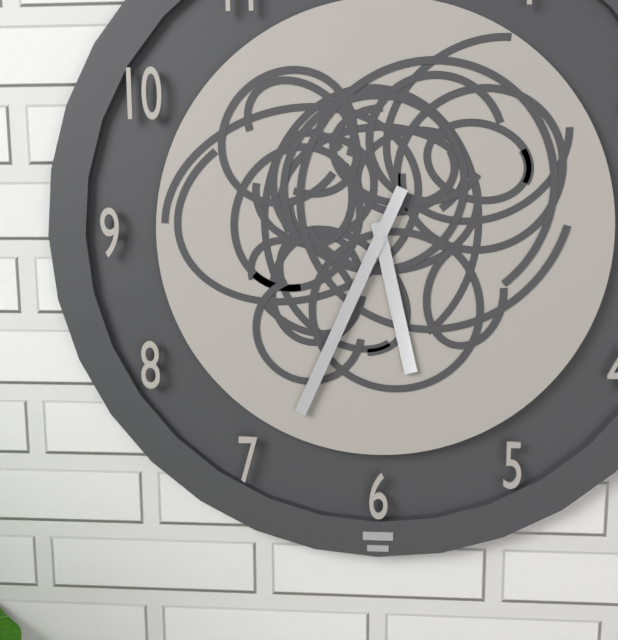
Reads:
{"hour": 5, "minute": 34}
